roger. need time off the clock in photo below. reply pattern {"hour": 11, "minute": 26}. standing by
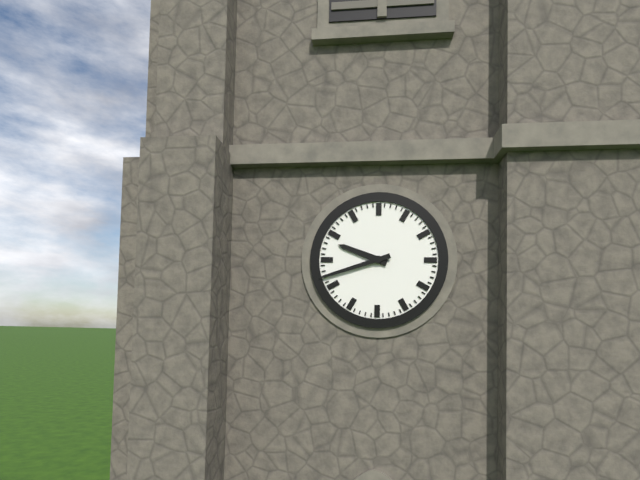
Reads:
{"hour": 9, "minute": 42}
